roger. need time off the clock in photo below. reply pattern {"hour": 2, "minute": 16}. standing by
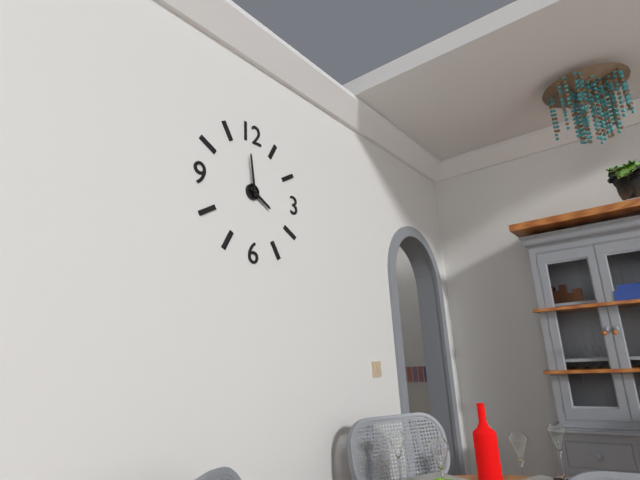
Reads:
{"hour": 3, "minute": 59}
